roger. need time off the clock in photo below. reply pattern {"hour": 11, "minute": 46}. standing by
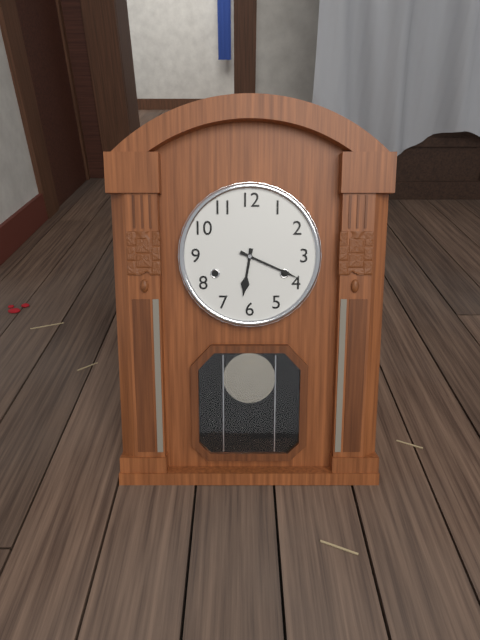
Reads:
{"hour": 6, "minute": 19}
